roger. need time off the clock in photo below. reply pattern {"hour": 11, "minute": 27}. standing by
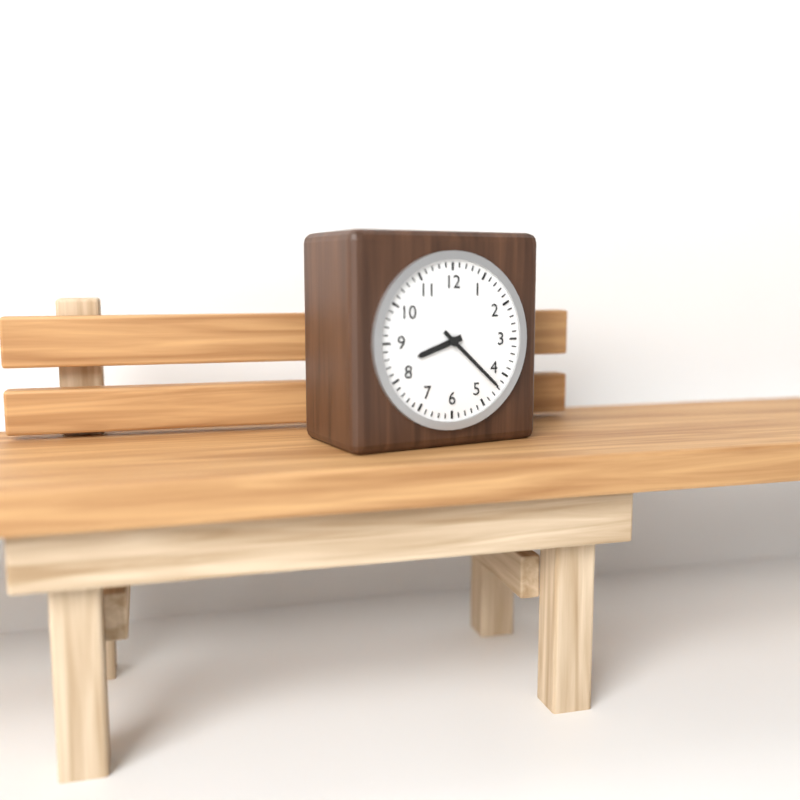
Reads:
{"hour": 8, "minute": 22}
